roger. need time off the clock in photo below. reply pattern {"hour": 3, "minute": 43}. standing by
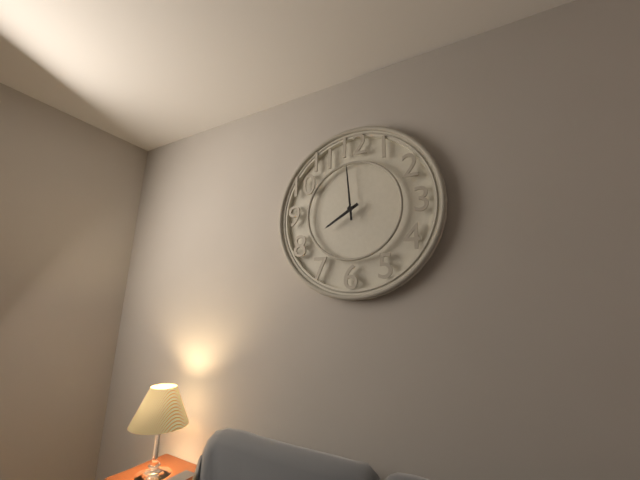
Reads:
{"hour": 7, "minute": 59}
